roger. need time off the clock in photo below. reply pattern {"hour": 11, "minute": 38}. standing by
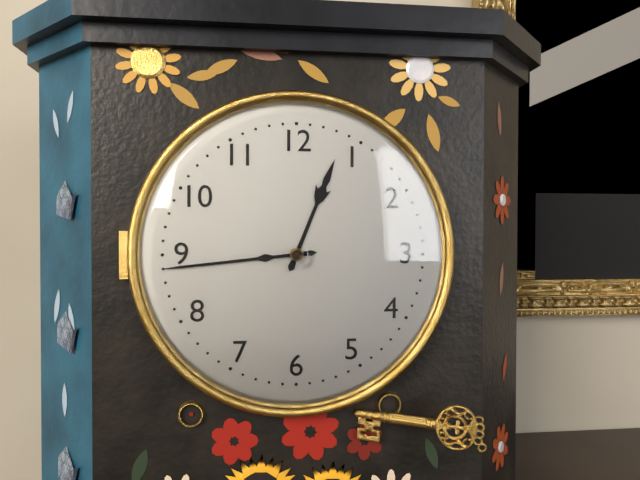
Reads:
{"hour": 12, "minute": 44}
